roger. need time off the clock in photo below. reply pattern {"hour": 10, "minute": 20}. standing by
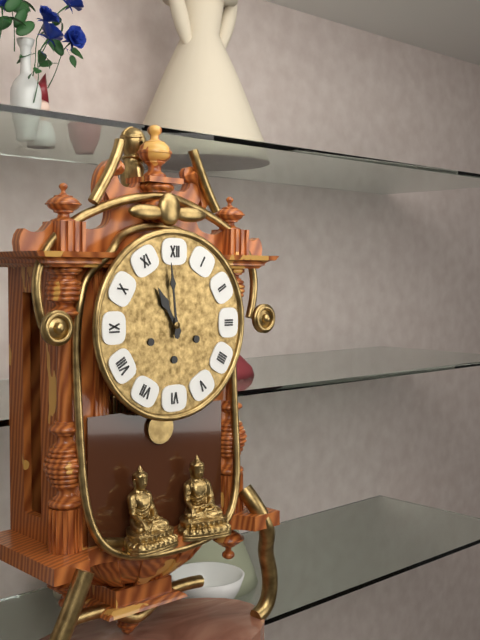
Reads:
{"hour": 10, "minute": 59}
